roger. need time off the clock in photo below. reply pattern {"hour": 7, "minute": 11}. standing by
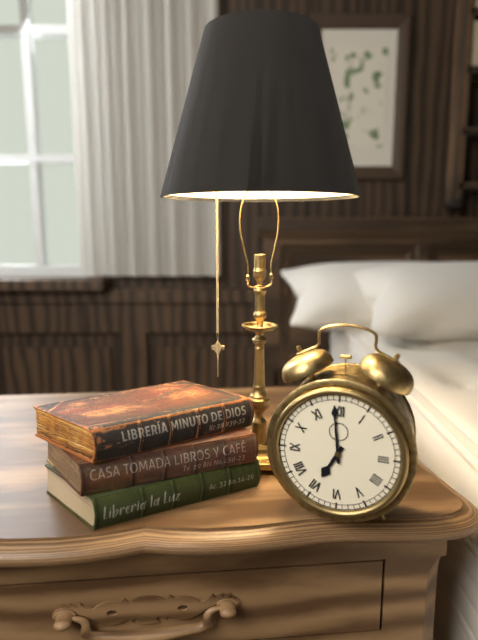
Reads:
{"hour": 6, "minute": 59}
